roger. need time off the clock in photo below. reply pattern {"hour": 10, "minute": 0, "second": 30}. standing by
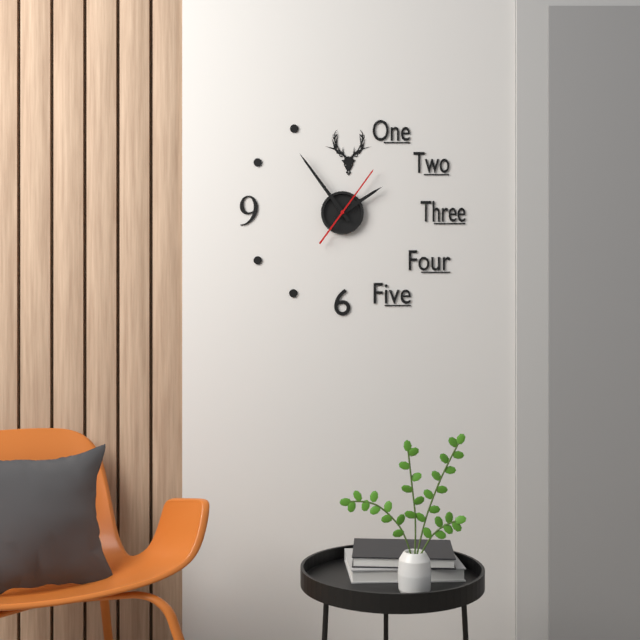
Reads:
{"hour": 1, "minute": 54, "second": 6}
